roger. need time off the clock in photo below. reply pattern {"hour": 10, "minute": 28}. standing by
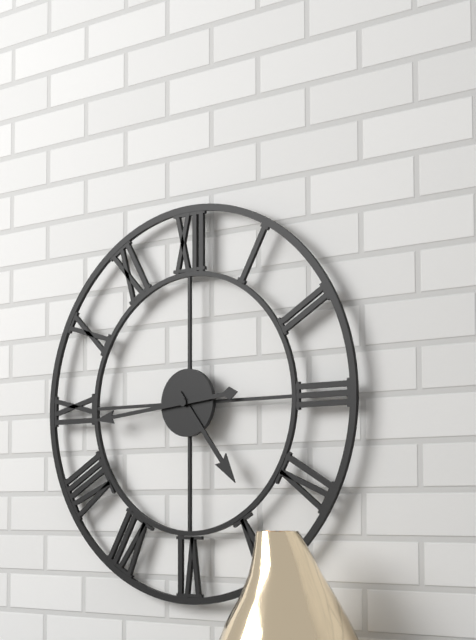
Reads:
{"hour": 4, "minute": 44}
